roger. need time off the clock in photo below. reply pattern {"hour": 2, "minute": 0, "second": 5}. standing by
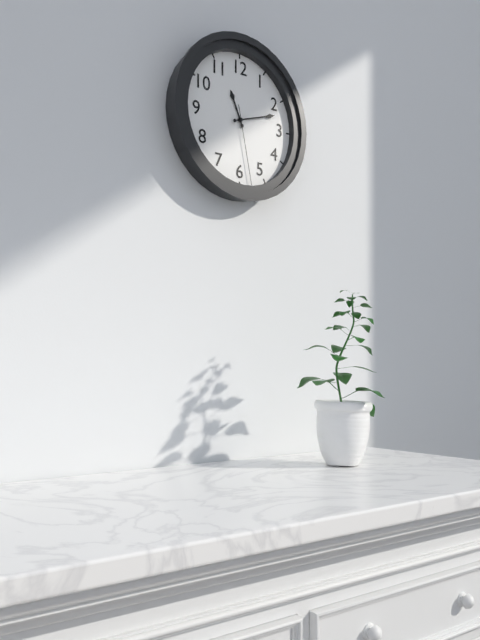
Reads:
{"hour": 11, "minute": 12, "second": 28}
